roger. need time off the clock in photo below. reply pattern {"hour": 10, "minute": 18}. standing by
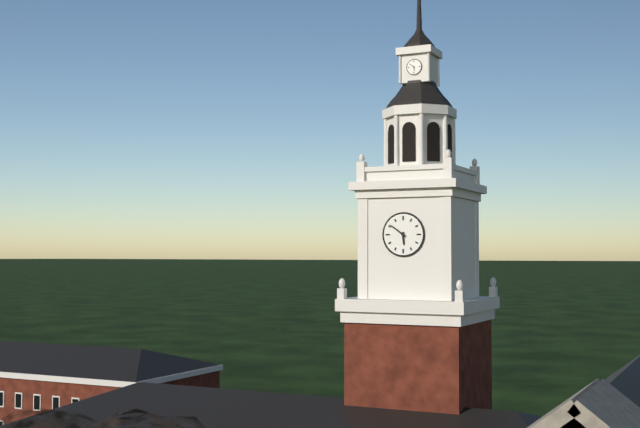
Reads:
{"hour": 5, "minute": 51}
